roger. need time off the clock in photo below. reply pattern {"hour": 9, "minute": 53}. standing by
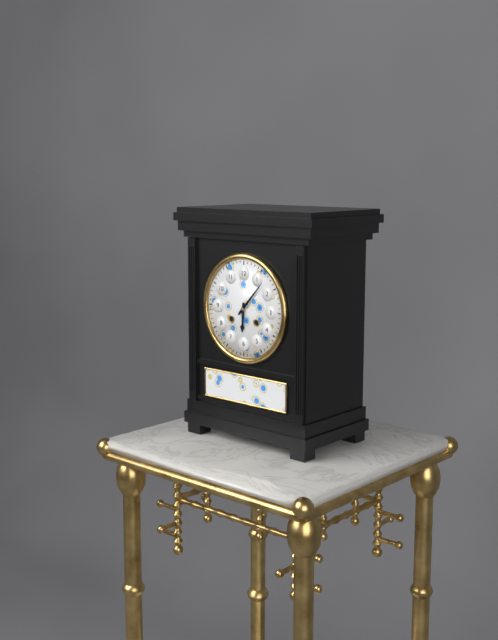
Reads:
{"hour": 6, "minute": 7}
